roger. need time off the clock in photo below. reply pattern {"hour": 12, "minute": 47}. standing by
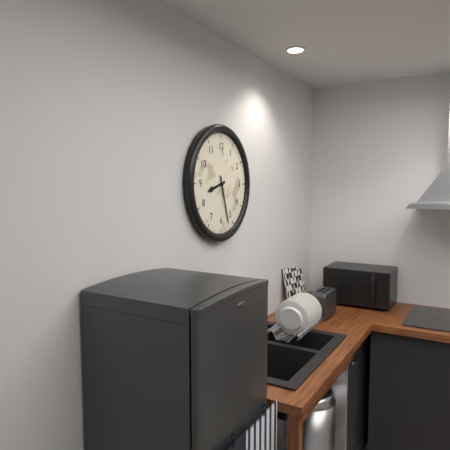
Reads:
{"hour": 8, "minute": 27}
